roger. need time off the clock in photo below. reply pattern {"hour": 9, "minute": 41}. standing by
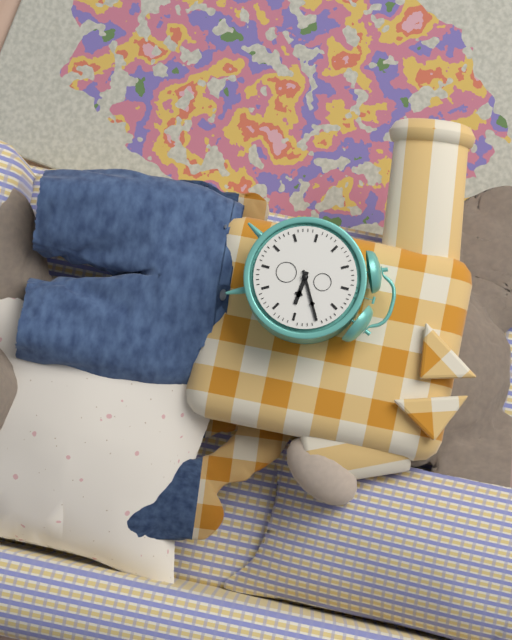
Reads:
{"hour": 3, "minute": 10}
